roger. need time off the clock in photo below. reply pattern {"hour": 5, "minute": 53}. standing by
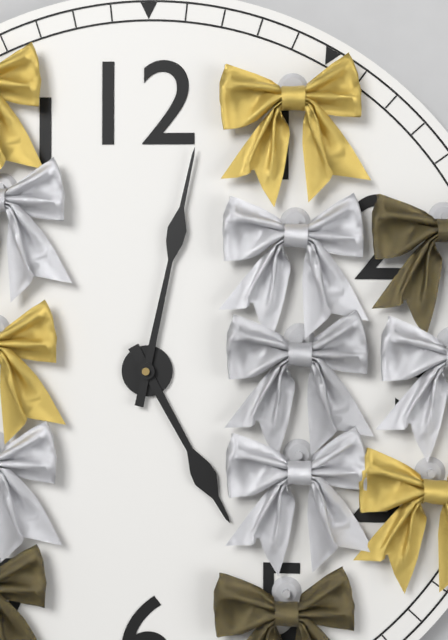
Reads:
{"hour": 5, "minute": 2}
